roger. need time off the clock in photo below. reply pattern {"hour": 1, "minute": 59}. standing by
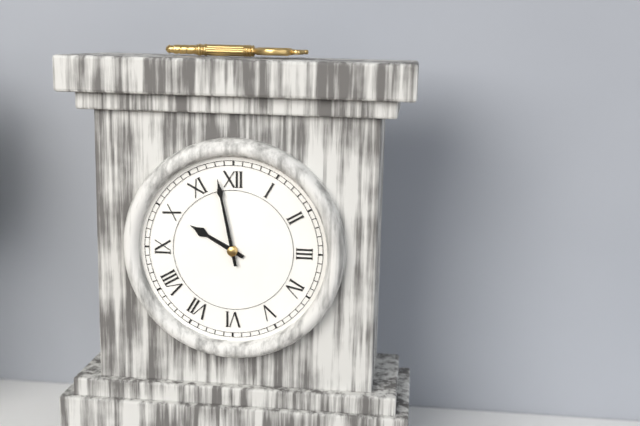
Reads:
{"hour": 9, "minute": 58}
